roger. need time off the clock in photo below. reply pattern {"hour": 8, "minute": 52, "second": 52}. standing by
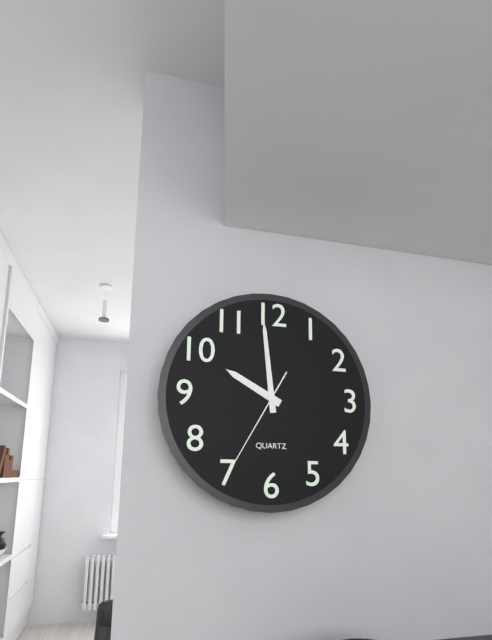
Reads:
{"hour": 9, "minute": 59, "second": 35}
